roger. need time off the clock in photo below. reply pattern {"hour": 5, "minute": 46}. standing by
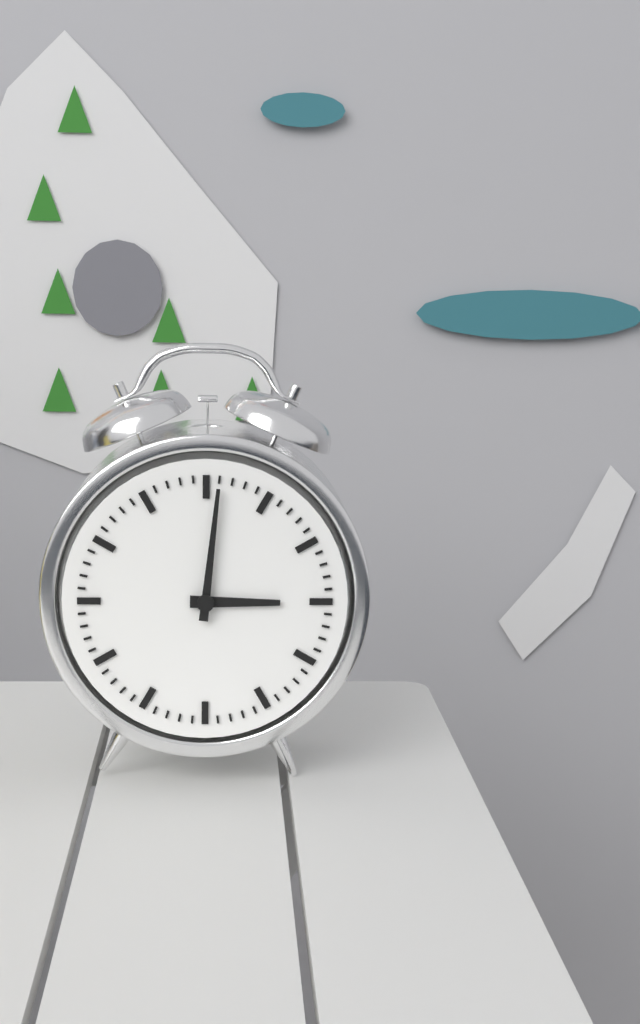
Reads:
{"hour": 3, "minute": 1}
